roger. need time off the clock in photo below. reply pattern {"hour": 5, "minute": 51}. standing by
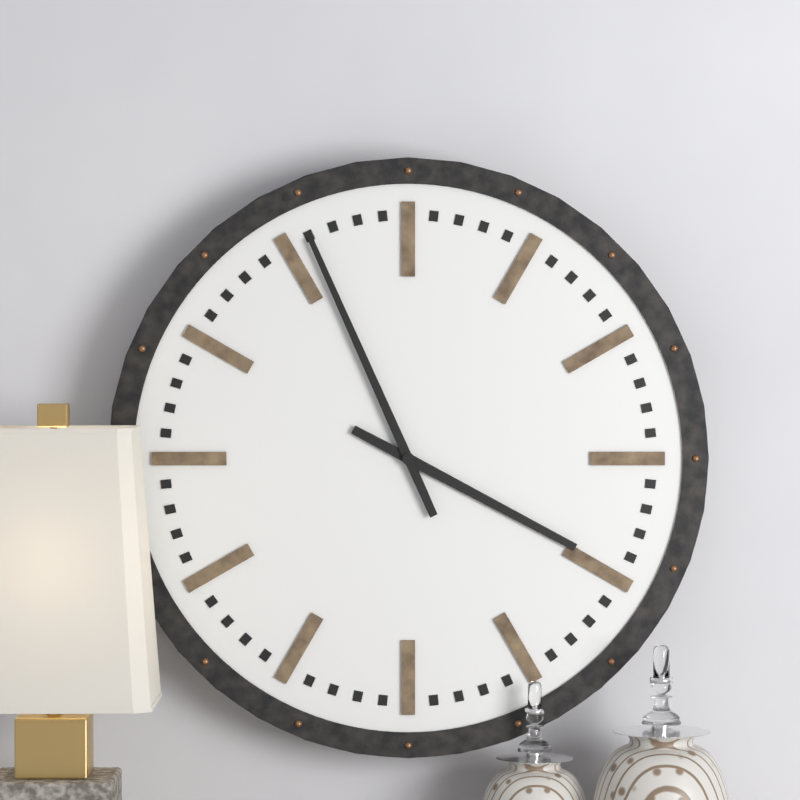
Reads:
{"hour": 3, "minute": 56}
